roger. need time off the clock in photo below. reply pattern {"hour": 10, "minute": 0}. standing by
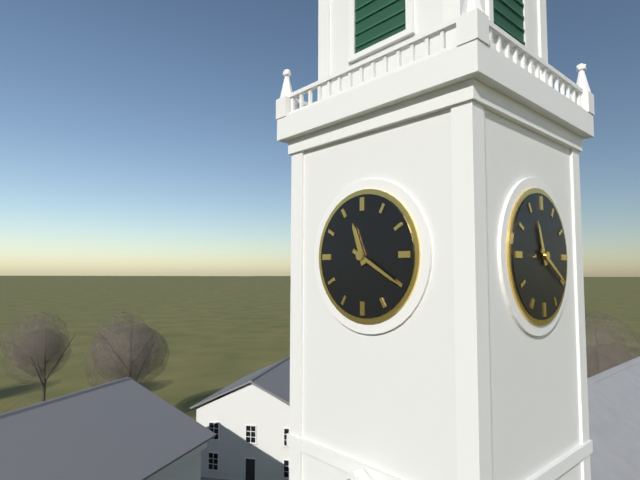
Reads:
{"hour": 11, "minute": 20}
